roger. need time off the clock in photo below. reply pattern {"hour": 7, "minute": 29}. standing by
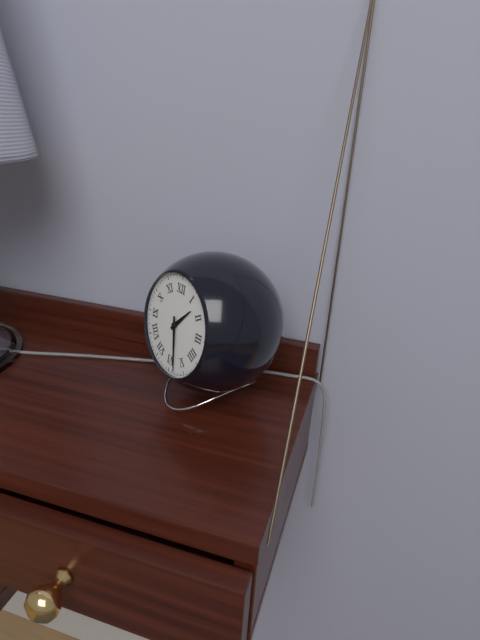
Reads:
{"hour": 1, "minute": 28}
